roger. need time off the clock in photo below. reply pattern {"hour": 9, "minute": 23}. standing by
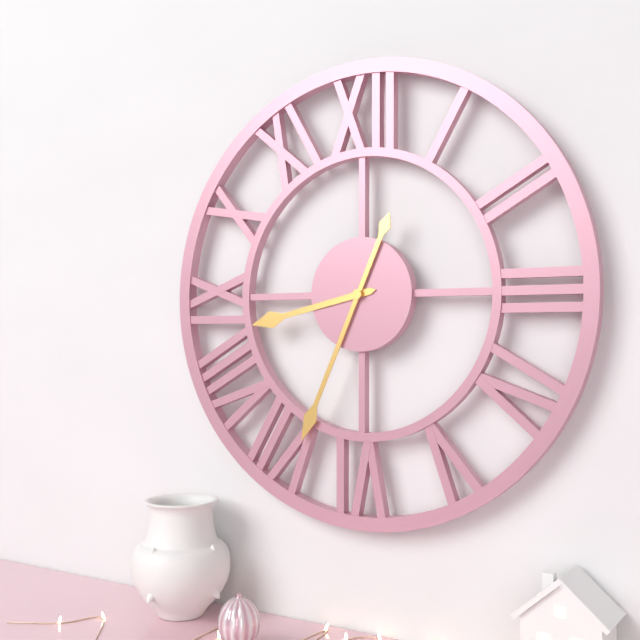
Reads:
{"hour": 8, "minute": 34}
